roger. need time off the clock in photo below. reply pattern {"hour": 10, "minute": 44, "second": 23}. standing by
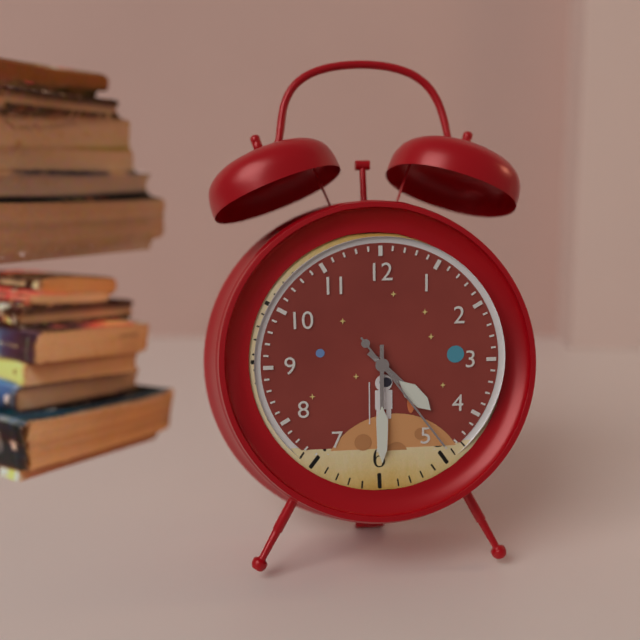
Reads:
{"hour": 4, "minute": 30, "second": 24}
